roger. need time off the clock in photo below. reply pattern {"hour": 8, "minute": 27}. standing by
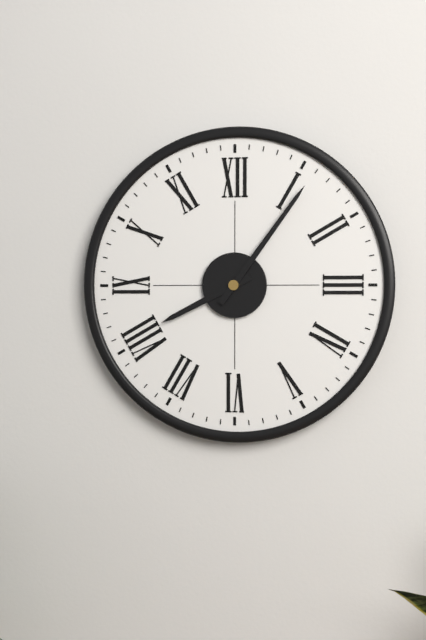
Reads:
{"hour": 8, "minute": 6}
